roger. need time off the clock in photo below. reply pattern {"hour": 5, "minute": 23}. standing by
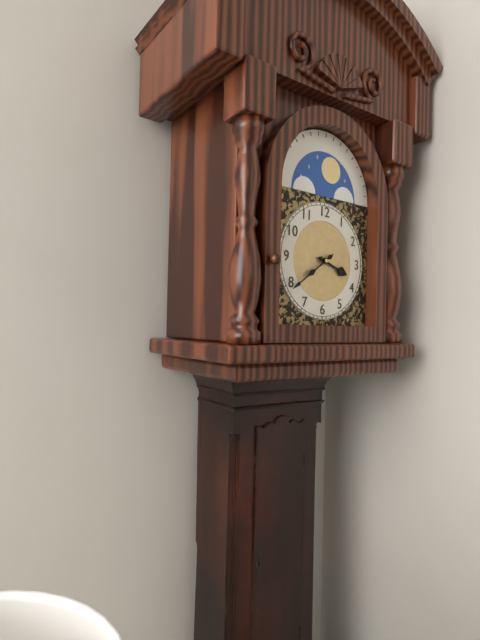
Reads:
{"hour": 3, "minute": 39}
